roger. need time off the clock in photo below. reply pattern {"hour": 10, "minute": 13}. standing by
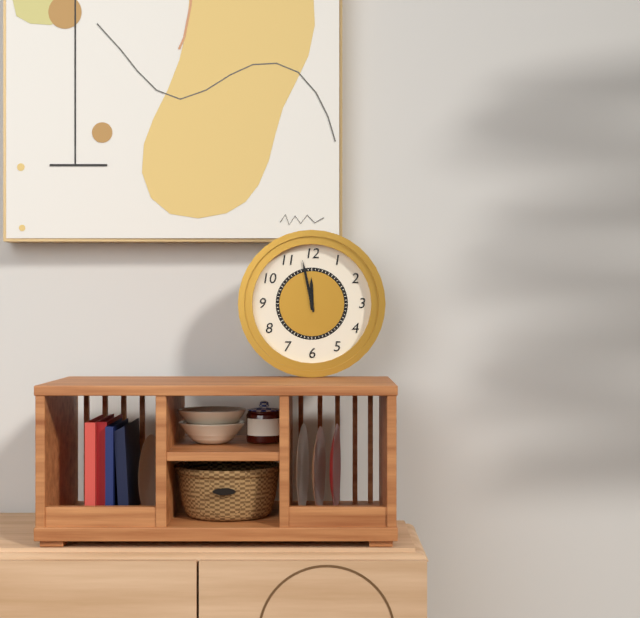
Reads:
{"hour": 11, "minute": 58}
